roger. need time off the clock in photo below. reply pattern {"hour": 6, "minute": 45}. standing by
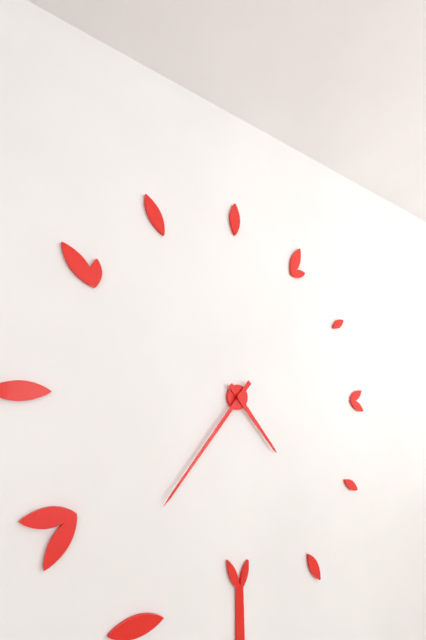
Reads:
{"hour": 4, "minute": 37}
